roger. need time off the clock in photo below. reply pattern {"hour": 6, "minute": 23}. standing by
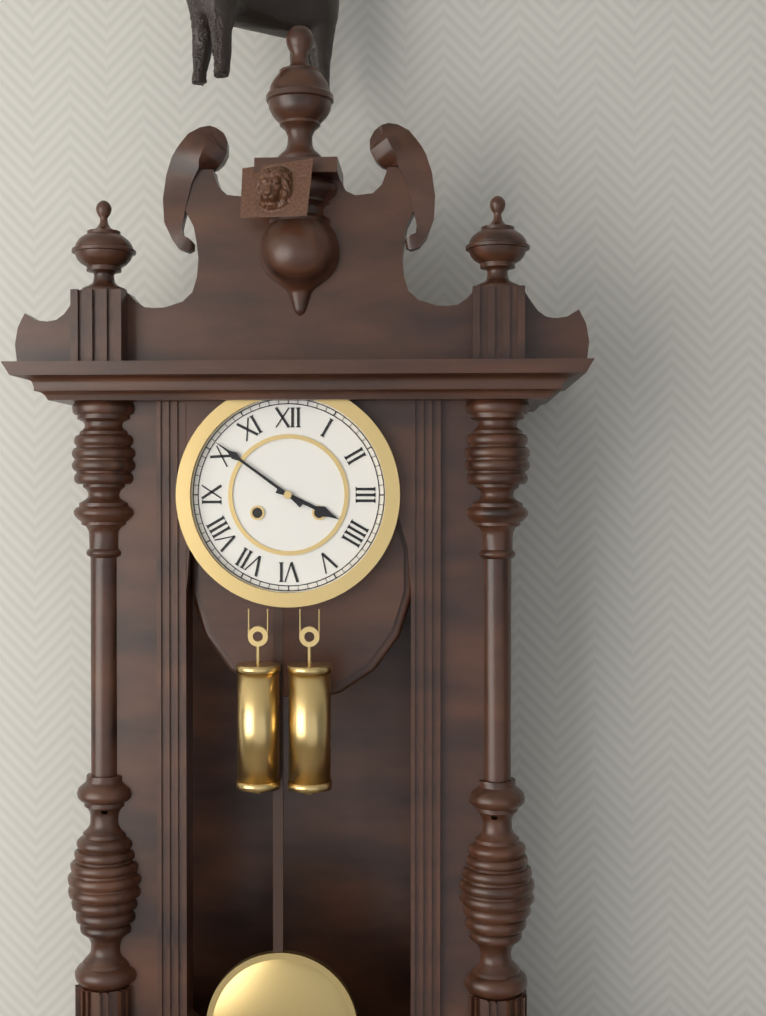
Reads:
{"hour": 3, "minute": 51}
